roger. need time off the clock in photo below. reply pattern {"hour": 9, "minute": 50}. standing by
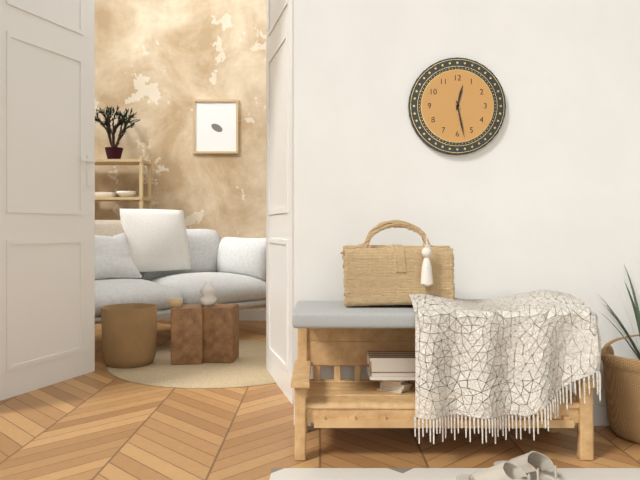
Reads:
{"hour": 12, "minute": 28}
